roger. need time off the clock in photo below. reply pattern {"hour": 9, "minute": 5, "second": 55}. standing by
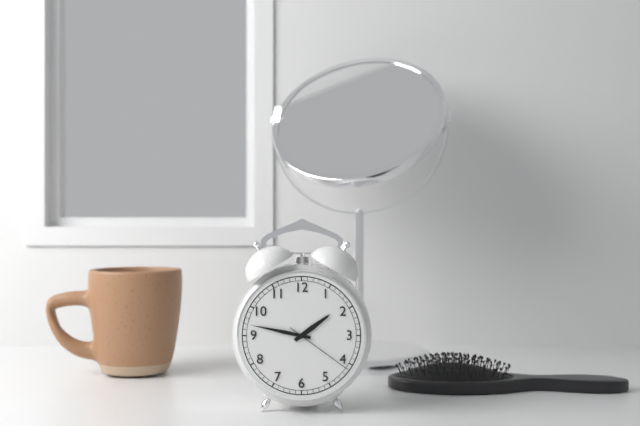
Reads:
{"hour": 1, "minute": 47, "second": 21}
